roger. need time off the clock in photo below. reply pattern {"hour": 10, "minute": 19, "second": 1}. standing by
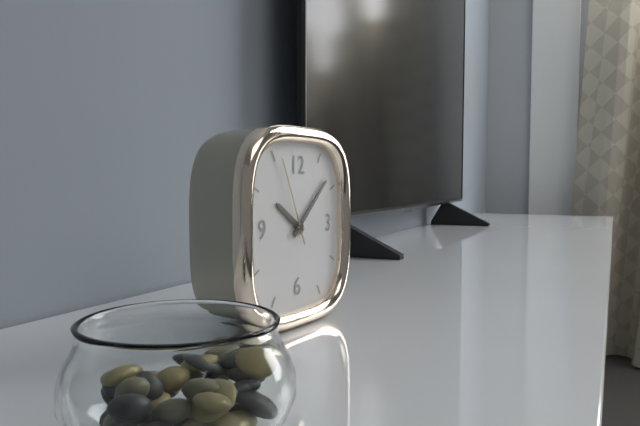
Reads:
{"hour": 10, "minute": 8, "second": 56}
